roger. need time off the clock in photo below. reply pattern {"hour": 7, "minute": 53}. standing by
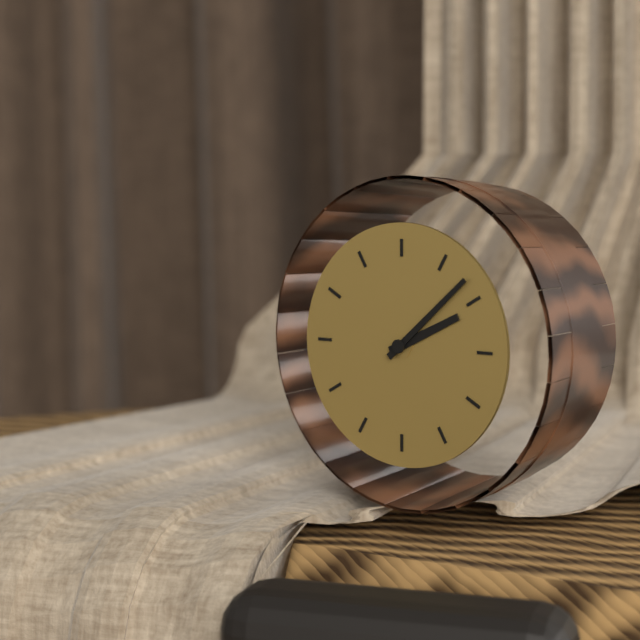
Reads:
{"hour": 2, "minute": 8}
